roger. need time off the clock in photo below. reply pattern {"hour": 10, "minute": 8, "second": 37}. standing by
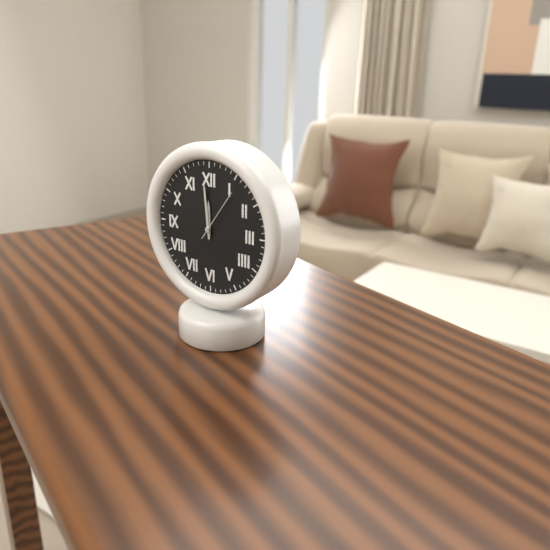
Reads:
{"hour": 11, "minute": 59, "second": 6}
